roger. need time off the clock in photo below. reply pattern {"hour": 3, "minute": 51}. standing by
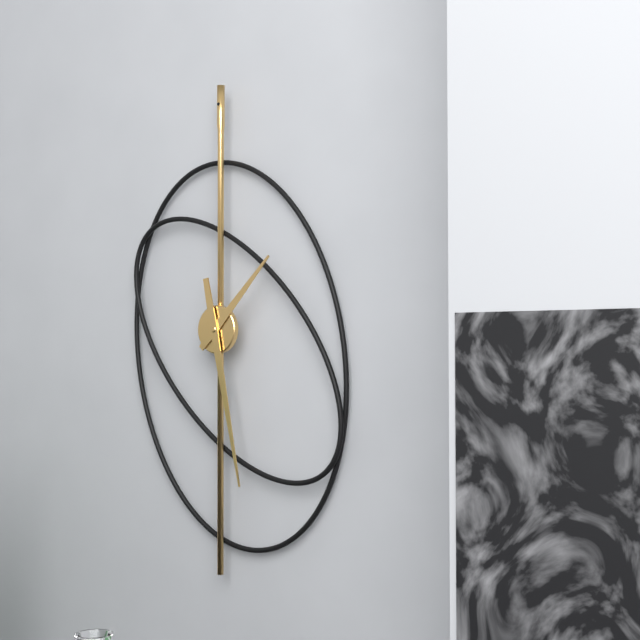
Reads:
{"hour": 1, "minute": 28}
